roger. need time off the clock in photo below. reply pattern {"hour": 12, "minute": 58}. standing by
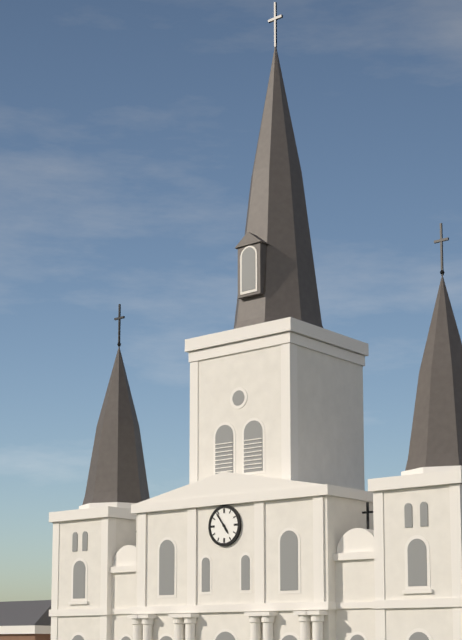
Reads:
{"hour": 4, "minute": 54}
